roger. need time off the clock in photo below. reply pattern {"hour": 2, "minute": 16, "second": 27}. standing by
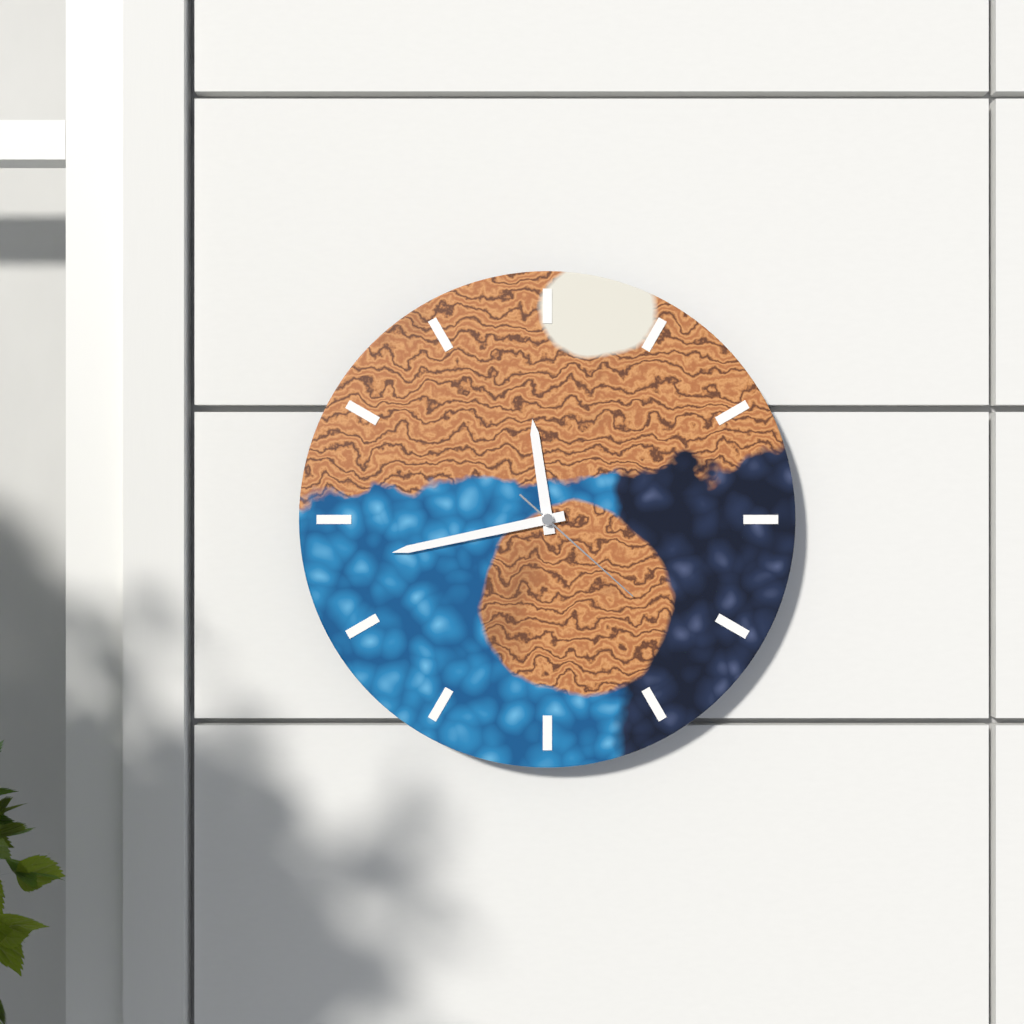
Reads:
{"hour": 11, "minute": 43, "second": 22}
